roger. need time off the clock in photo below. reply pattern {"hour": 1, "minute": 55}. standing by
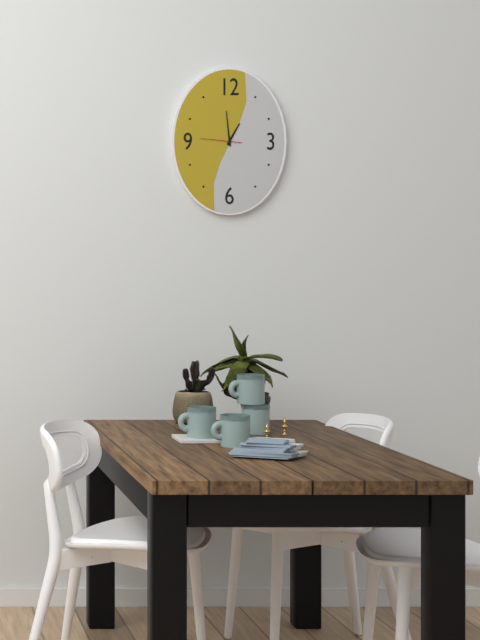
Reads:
{"hour": 12, "minute": 59}
